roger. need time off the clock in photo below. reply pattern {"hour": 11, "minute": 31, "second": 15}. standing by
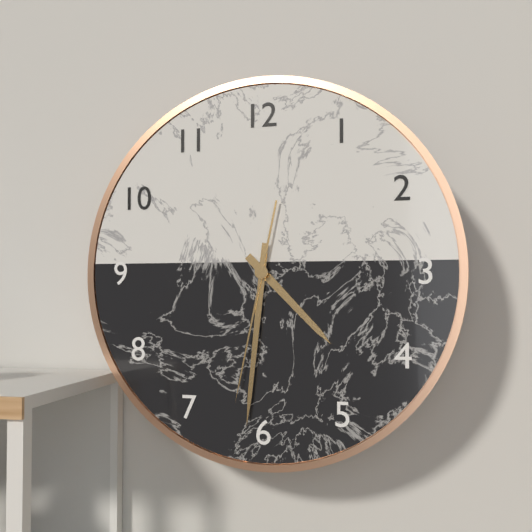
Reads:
{"hour": 4, "minute": 31, "second": 32}
